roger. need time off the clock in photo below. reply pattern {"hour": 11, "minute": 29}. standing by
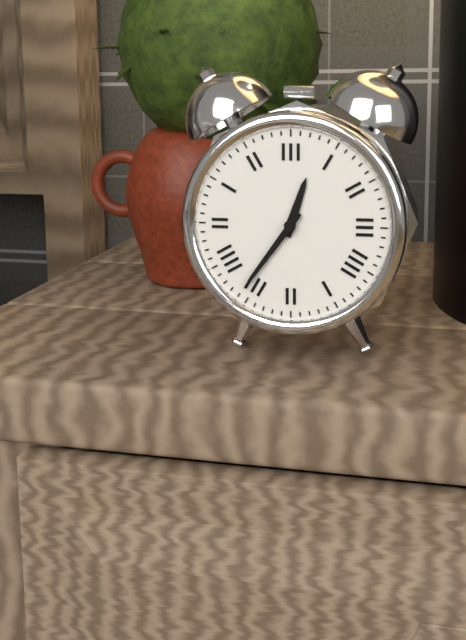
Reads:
{"hour": 12, "minute": 36}
